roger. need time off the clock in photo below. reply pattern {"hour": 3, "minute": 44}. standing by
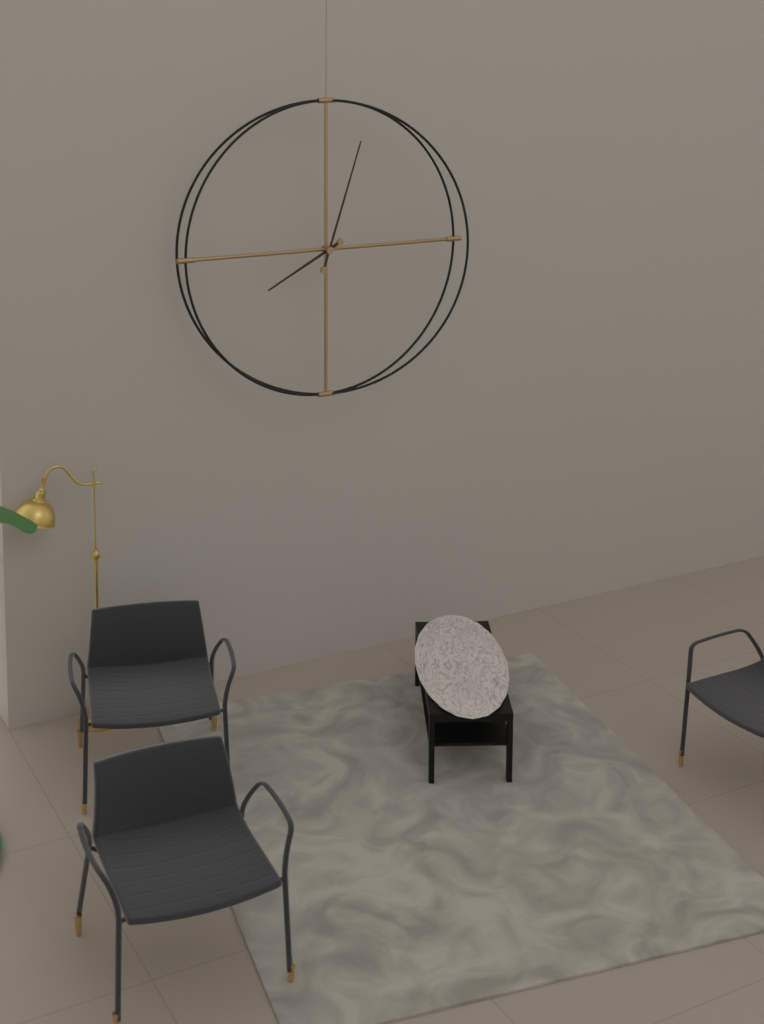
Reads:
{"hour": 8, "minute": 3}
